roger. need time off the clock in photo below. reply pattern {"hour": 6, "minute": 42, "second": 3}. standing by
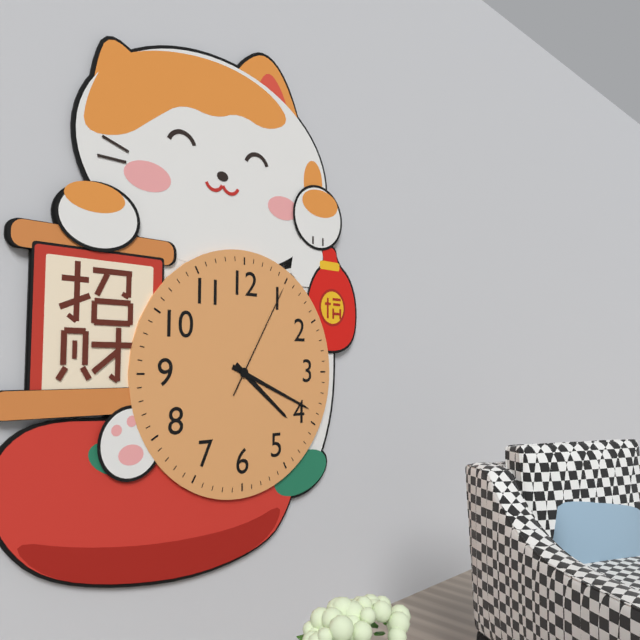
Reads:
{"hour": 4, "minute": 19, "second": 5}
